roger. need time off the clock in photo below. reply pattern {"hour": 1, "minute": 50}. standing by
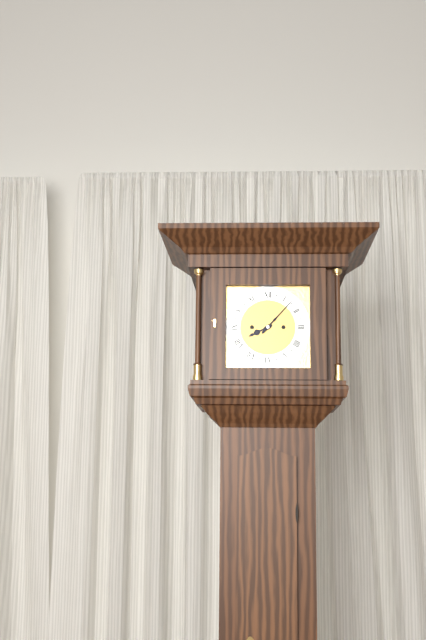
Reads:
{"hour": 8, "minute": 7}
